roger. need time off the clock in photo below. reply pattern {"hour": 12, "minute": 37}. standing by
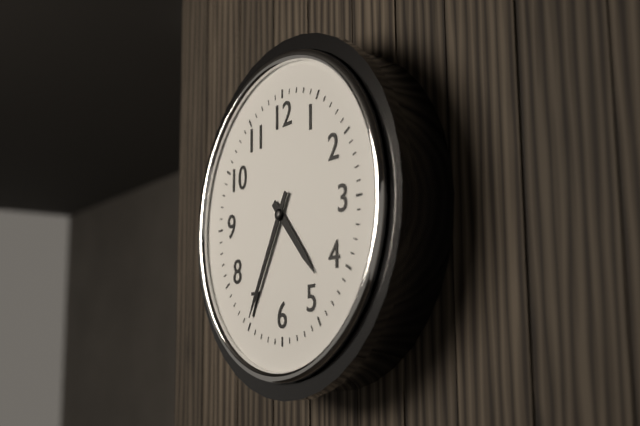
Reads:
{"hour": 4, "minute": 35}
